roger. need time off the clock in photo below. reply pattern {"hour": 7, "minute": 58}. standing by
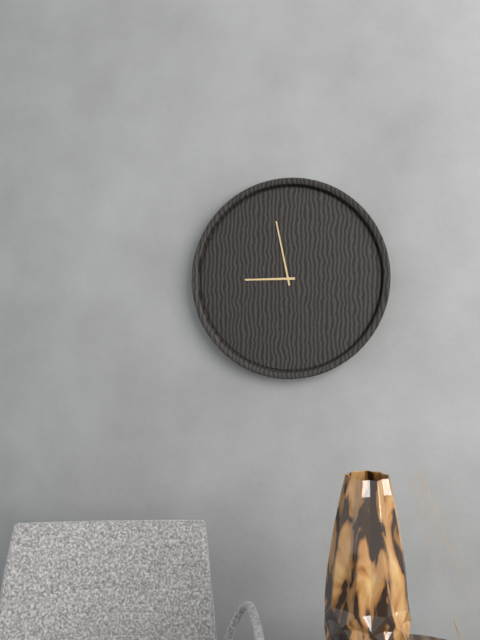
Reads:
{"hour": 8, "minute": 58}
